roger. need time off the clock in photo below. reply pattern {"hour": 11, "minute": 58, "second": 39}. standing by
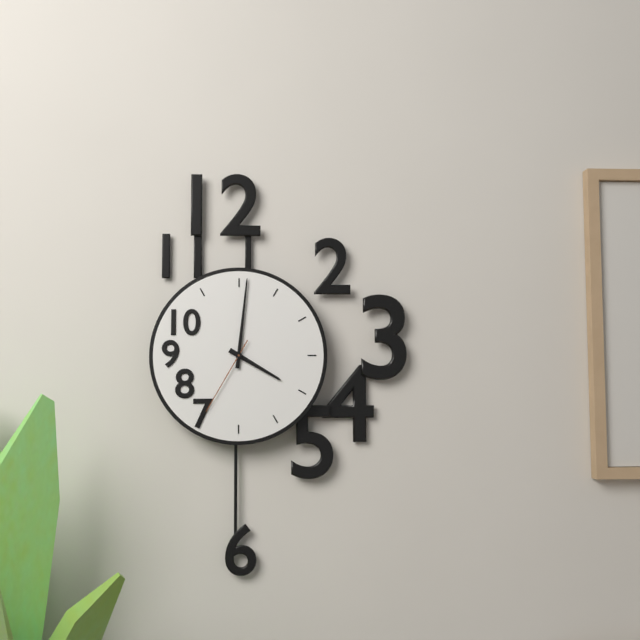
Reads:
{"hour": 4, "minute": 1, "second": 35}
